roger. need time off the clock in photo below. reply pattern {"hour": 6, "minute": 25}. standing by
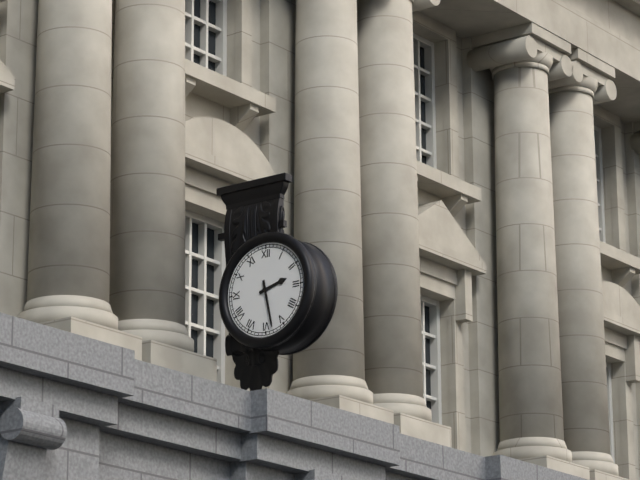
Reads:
{"hour": 2, "minute": 28}
